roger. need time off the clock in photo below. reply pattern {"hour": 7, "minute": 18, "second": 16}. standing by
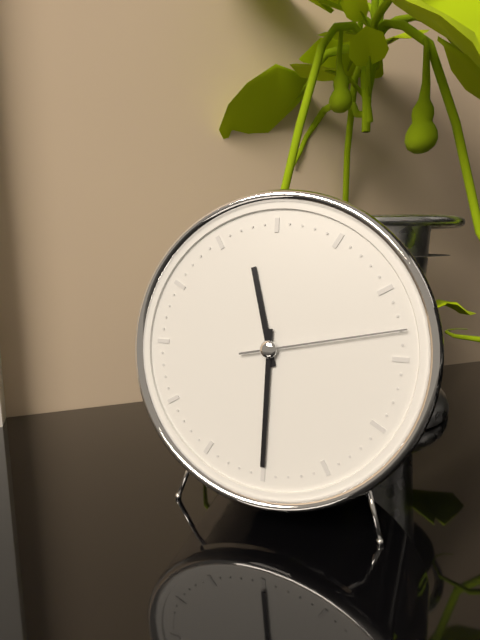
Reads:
{"hour": 11, "minute": 30, "second": 13}
